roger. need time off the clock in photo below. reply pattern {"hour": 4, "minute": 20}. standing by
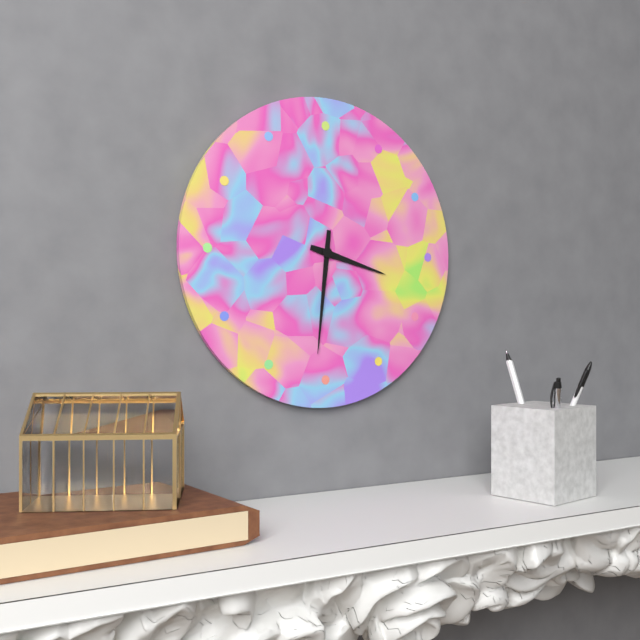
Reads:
{"hour": 3, "minute": 31}
